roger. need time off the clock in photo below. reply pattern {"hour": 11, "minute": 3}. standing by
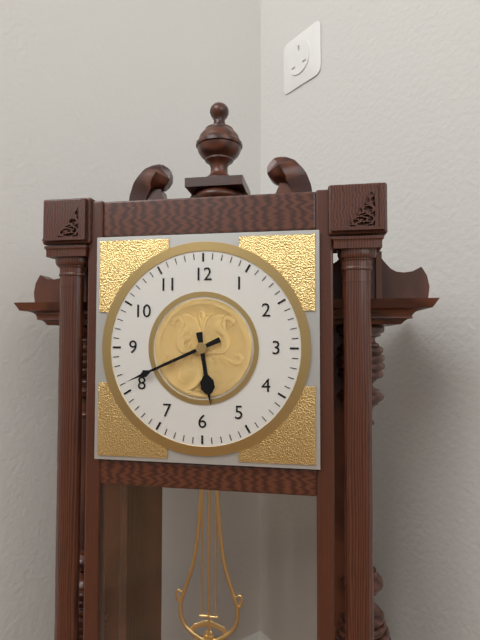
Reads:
{"hour": 5, "minute": 41}
